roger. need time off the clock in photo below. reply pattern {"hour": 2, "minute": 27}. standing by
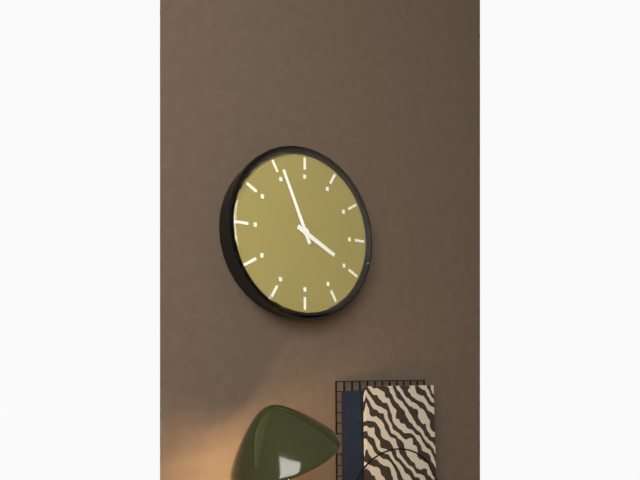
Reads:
{"hour": 3, "minute": 56}
